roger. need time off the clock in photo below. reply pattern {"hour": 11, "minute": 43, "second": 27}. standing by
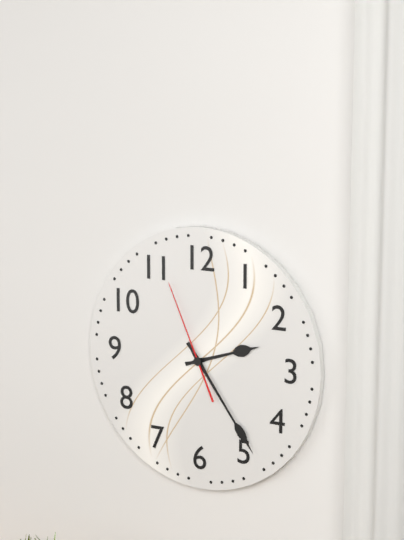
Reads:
{"hour": 2, "minute": 24, "second": 56}
